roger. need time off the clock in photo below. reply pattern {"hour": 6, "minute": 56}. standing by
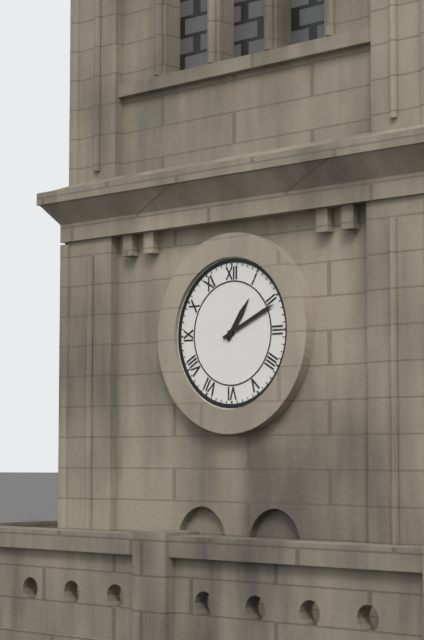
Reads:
{"hour": 1, "minute": 11}
